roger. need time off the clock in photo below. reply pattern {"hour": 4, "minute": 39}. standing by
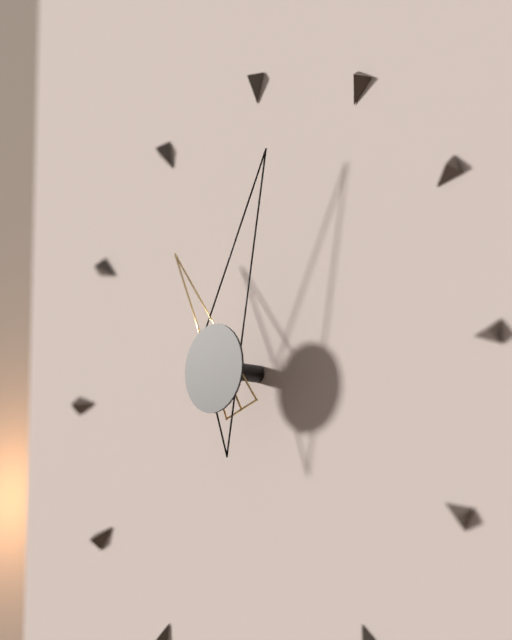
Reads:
{"hour": 11, "minute": 3}
